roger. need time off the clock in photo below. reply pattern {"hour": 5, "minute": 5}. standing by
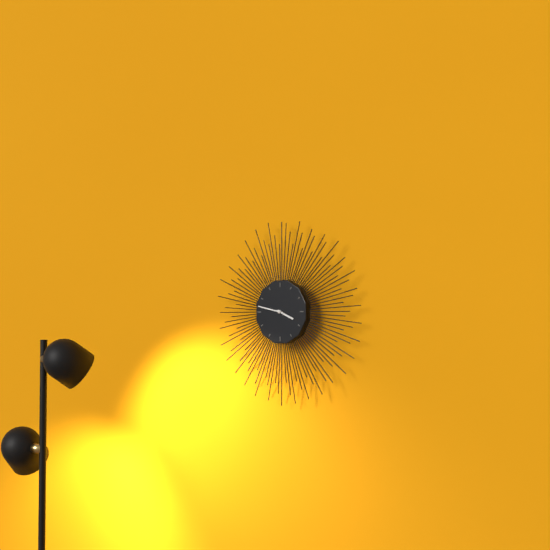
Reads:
{"hour": 3, "minute": 47}
